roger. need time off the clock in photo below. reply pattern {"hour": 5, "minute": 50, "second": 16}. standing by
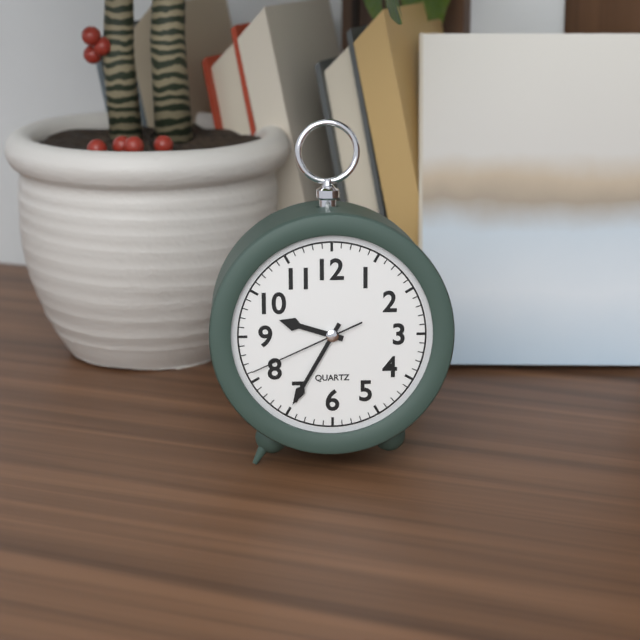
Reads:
{"hour": 9, "minute": 35, "second": 41}
